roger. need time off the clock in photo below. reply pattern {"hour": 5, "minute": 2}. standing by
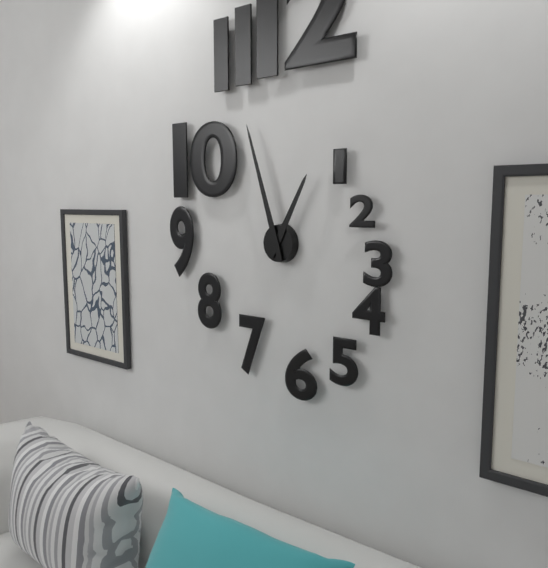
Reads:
{"hour": 12, "minute": 57}
